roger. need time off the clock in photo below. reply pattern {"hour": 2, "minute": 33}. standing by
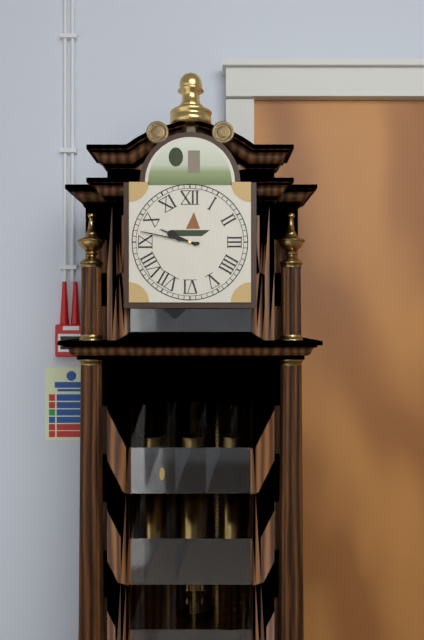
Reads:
{"hour": 9, "minute": 47}
